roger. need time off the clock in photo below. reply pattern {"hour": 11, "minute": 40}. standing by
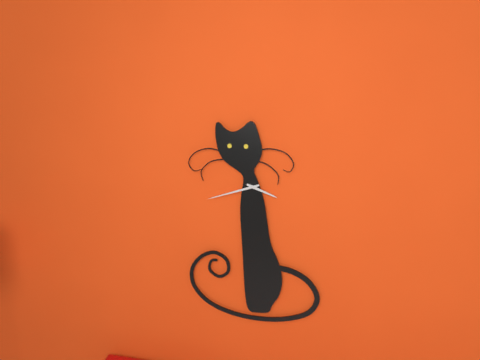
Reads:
{"hour": 3, "minute": 42}
